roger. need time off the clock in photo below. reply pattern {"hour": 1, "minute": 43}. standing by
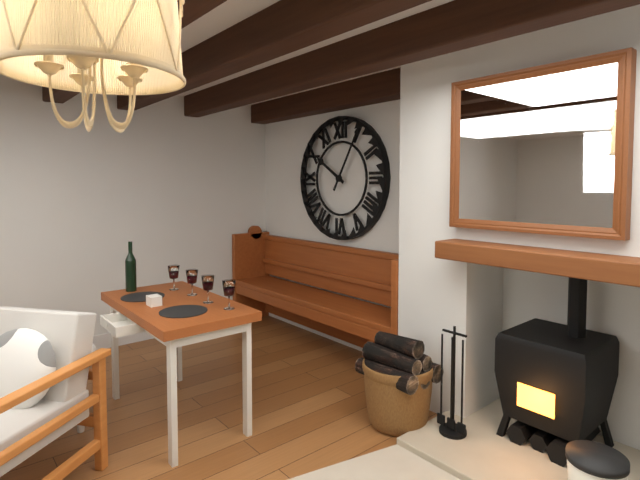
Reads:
{"hour": 10, "minute": 5}
